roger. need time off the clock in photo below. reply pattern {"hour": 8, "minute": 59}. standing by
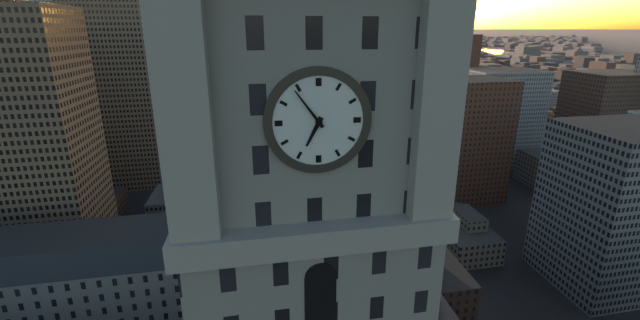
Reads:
{"hour": 6, "minute": 54}
